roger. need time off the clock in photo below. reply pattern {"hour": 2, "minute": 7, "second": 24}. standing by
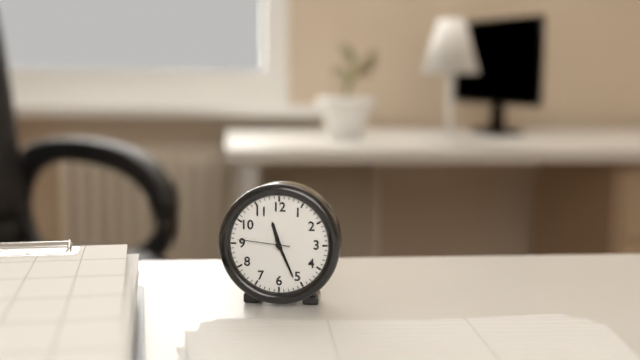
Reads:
{"hour": 11, "minute": 26, "second": 46}
